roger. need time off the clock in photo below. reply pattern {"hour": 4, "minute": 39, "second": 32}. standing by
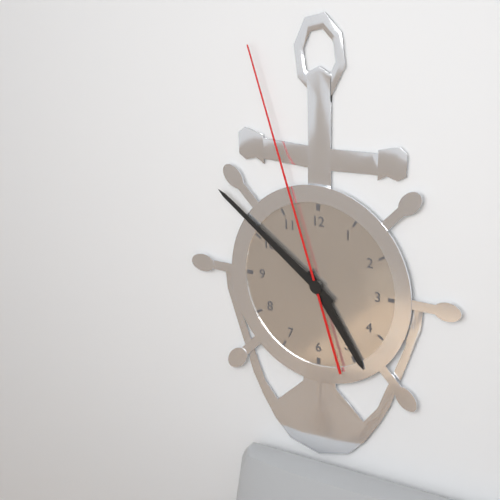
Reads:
{"hour": 4, "minute": 51, "second": 57}
